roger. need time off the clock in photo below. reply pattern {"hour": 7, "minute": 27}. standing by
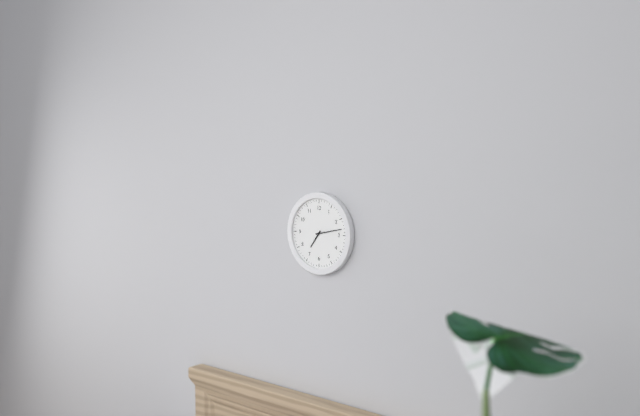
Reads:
{"hour": 7, "minute": 13}
